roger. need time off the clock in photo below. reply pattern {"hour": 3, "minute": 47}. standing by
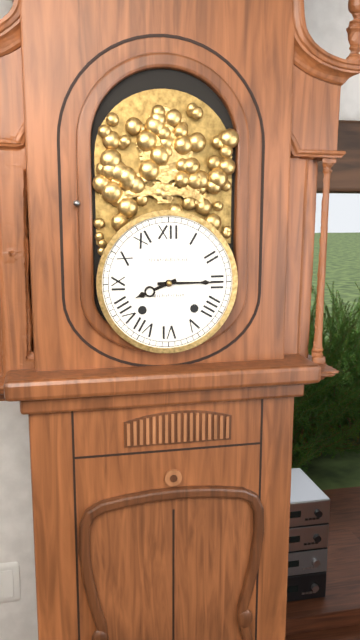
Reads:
{"hour": 8, "minute": 15}
